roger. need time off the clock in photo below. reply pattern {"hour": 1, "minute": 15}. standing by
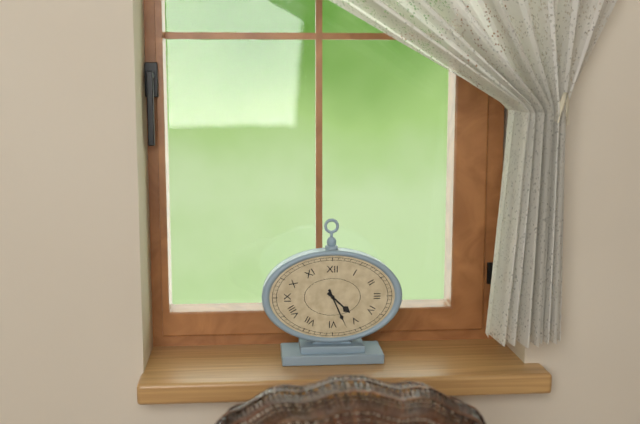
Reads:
{"hour": 4, "minute": 26}
